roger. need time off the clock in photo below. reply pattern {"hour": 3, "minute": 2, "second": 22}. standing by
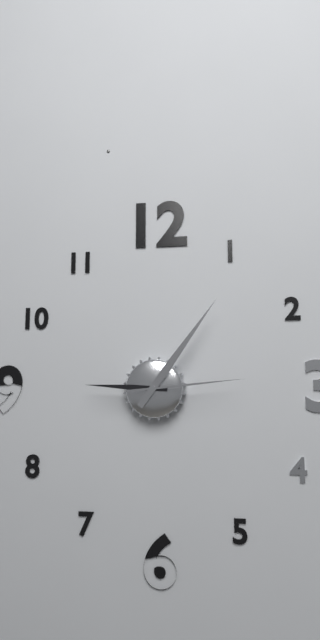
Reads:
{"hour": 9, "minute": 6, "second": 14}
